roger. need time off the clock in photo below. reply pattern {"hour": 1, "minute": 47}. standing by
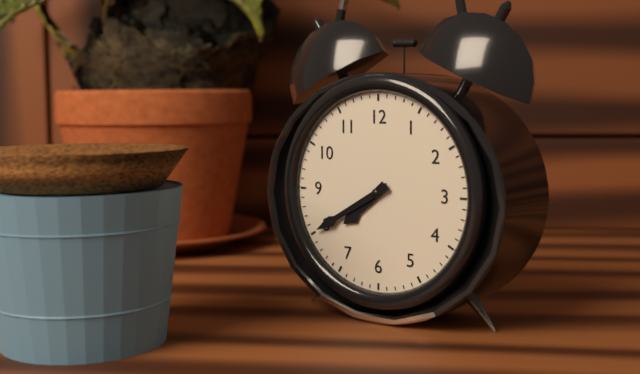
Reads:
{"hour": 7, "minute": 40}
